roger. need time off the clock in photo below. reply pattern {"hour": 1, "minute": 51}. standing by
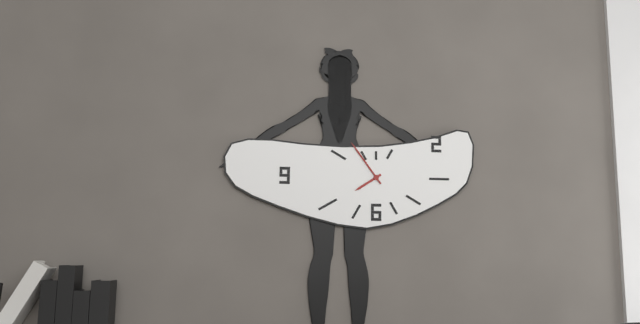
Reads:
{"hour": 7, "minute": 54}
